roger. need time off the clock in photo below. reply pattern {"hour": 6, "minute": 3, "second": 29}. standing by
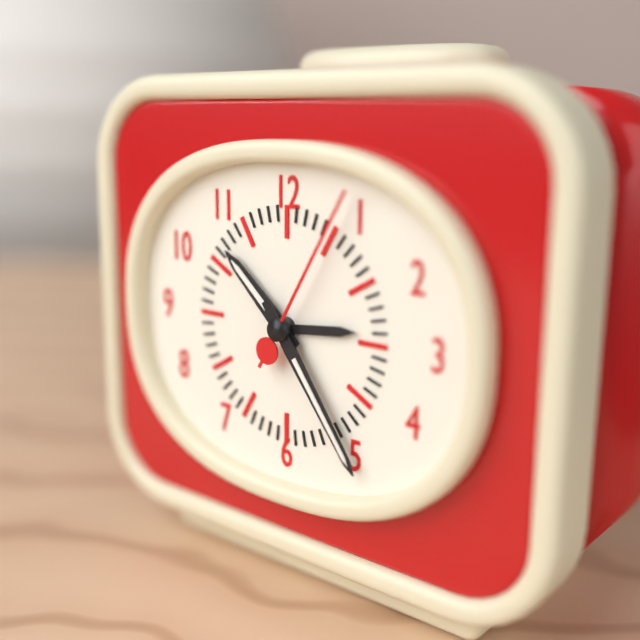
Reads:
{"hour": 10, "minute": 24, "second": 5}
